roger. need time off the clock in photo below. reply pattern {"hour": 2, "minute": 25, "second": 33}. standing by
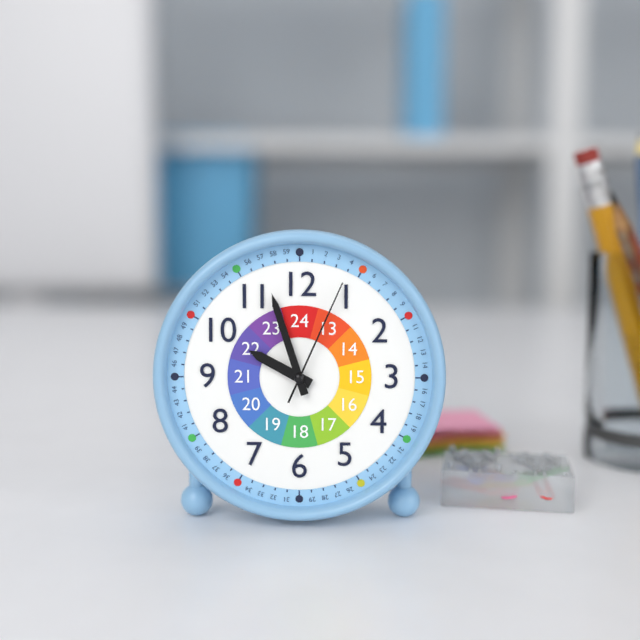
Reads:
{"hour": 9, "minute": 57, "second": 4}
